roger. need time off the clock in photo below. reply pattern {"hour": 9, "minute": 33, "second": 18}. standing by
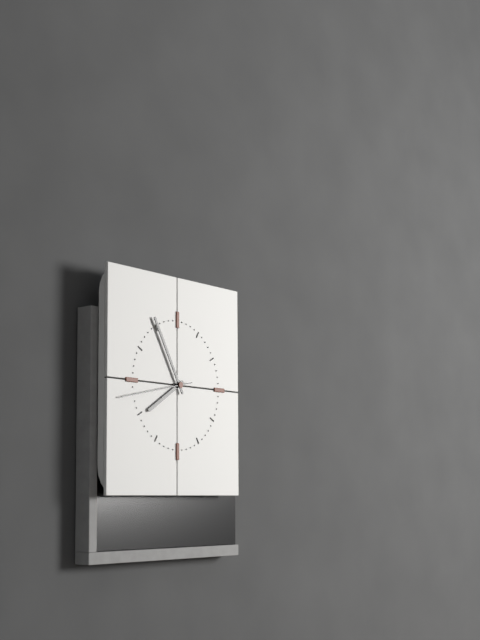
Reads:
{"hour": 7, "minute": 55, "second": 43}
